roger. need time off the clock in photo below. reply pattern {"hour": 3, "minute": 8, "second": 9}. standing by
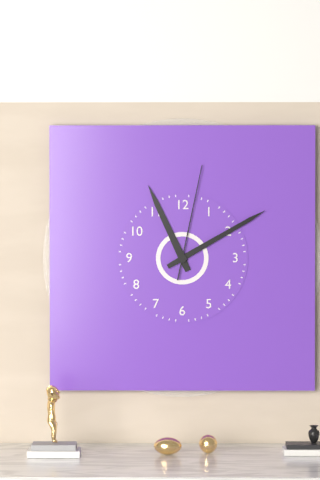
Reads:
{"hour": 11, "minute": 10, "second": 2}
